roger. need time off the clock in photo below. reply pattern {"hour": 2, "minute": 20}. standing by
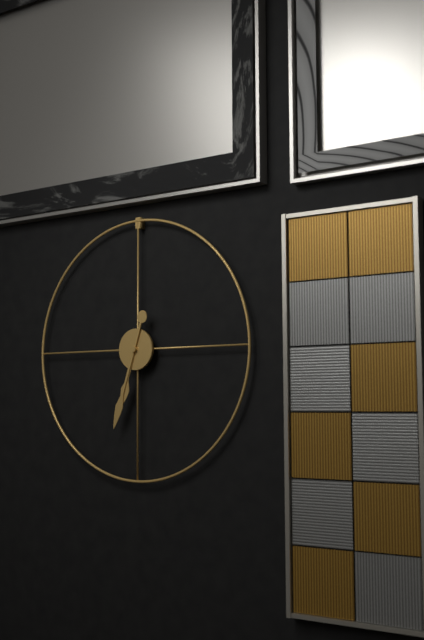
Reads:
{"hour": 6, "minute": 33}
